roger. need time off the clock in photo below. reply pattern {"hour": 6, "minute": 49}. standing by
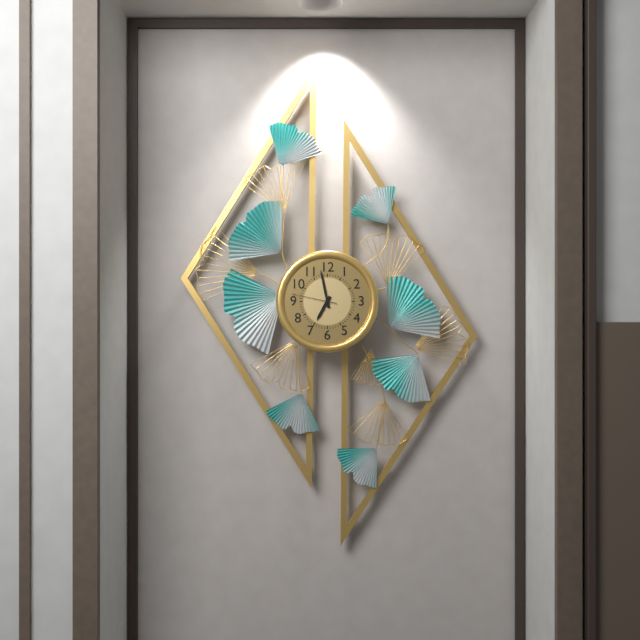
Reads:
{"hour": 6, "minute": 58}
